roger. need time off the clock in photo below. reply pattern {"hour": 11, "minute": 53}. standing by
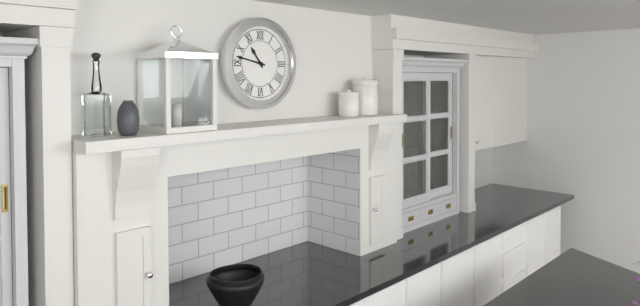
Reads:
{"hour": 10, "minute": 47}
